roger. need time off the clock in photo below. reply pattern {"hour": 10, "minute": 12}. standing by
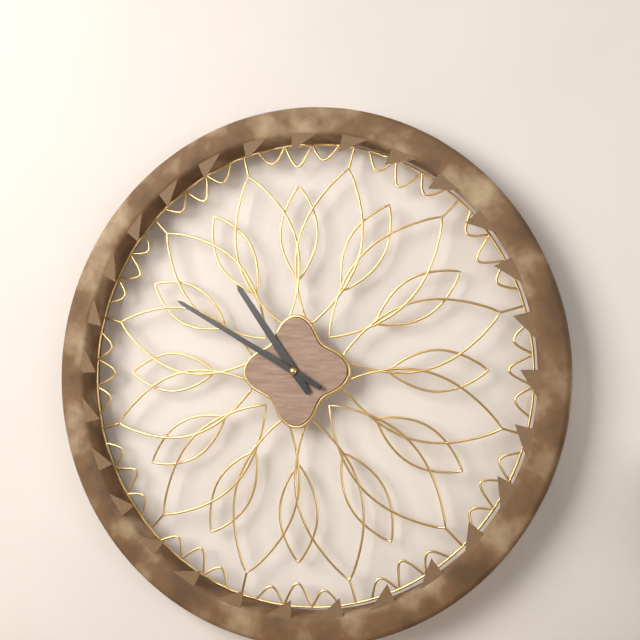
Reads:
{"hour": 10, "minute": 50}
